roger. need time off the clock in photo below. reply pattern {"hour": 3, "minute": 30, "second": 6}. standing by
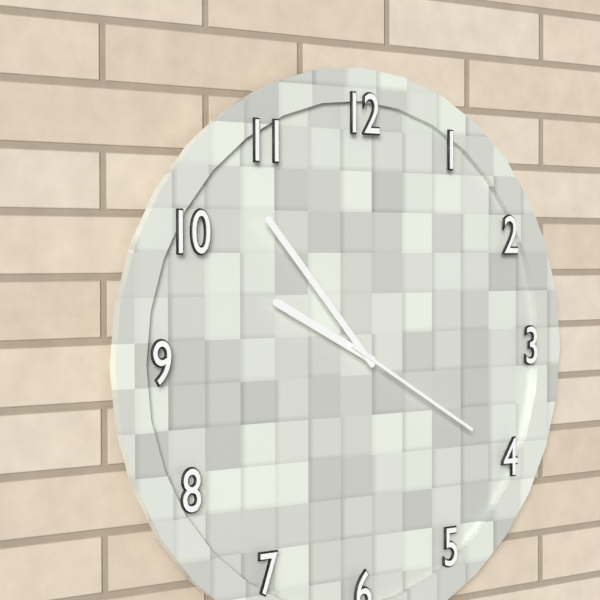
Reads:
{"hour": 9, "minute": 53, "second": 20}
